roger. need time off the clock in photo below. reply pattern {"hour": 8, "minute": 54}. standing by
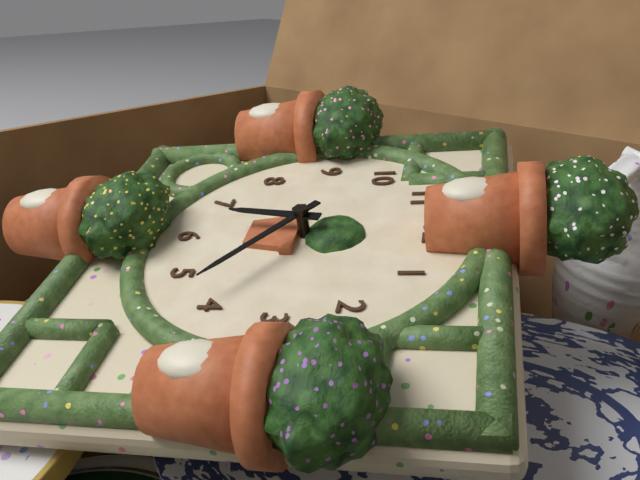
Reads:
{"hour": 6, "minute": 21}
